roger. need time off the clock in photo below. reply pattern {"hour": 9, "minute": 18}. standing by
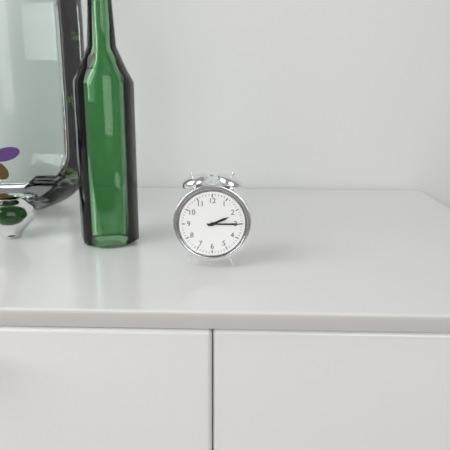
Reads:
{"hour": 2, "minute": 15}
